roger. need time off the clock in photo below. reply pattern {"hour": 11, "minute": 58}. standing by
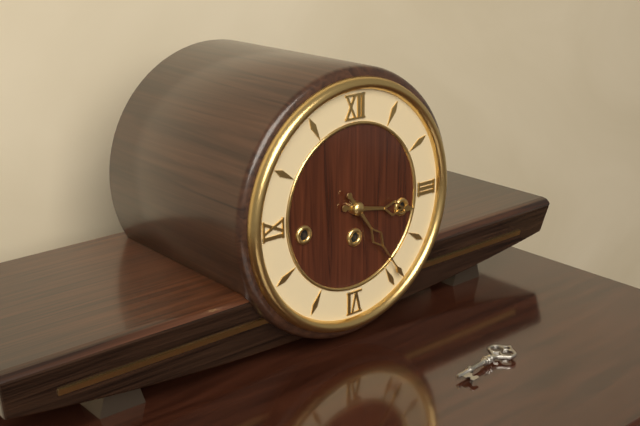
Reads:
{"hour": 3, "minute": 24}
